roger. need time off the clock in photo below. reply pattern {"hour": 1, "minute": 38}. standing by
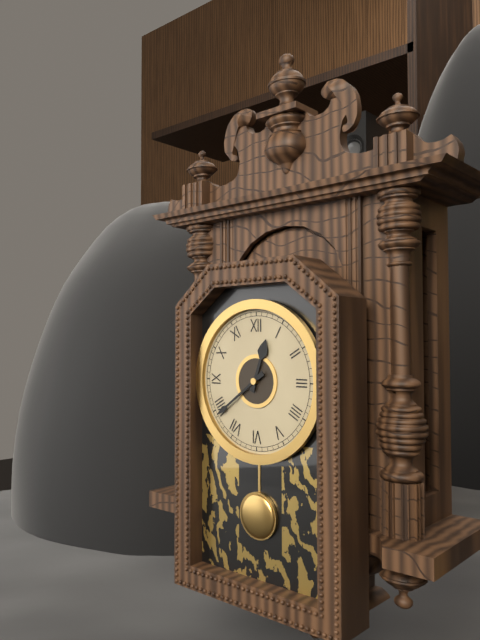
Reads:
{"hour": 12, "minute": 39}
